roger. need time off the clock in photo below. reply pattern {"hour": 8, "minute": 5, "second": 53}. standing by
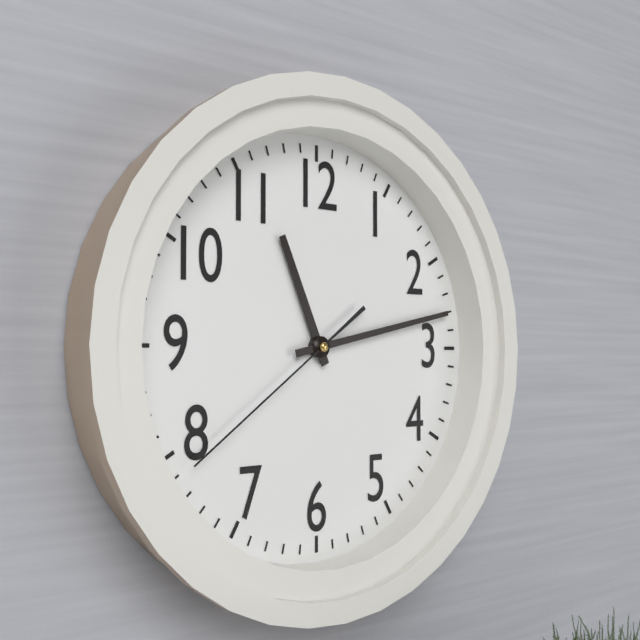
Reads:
{"hour": 11, "minute": 13, "second": 39}
